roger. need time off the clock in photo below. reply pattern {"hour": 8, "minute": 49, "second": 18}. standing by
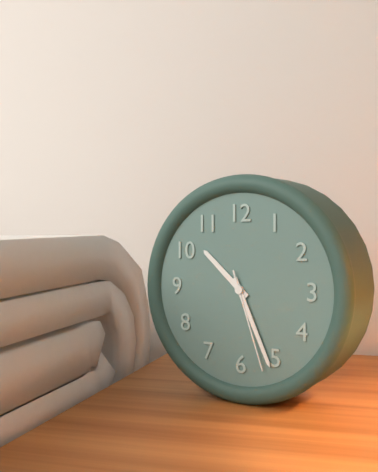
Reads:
{"hour": 10, "minute": 26, "second": 27}
